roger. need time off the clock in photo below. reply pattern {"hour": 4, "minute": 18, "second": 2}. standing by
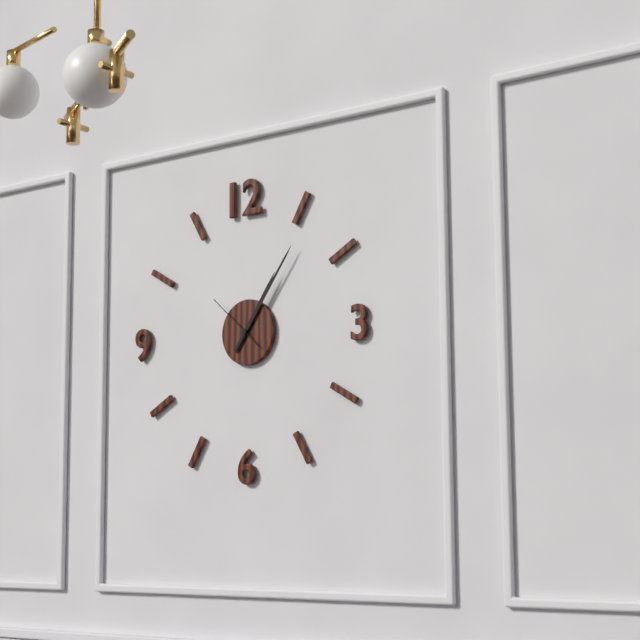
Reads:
{"hour": 1, "minute": 6, "second": 52}
